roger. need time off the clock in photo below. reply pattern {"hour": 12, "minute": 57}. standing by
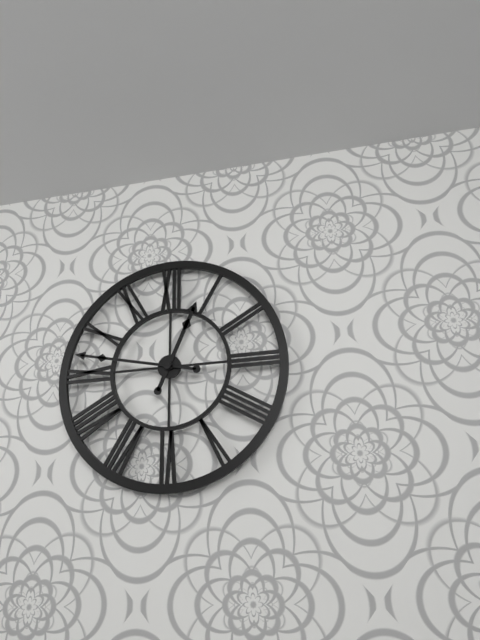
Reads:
{"hour": 12, "minute": 47}
